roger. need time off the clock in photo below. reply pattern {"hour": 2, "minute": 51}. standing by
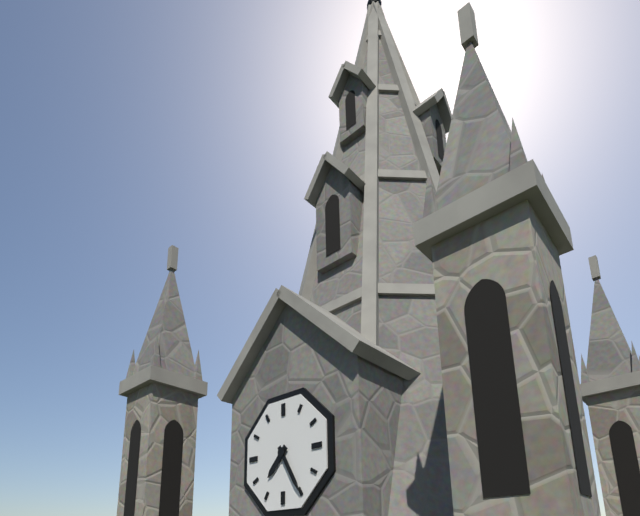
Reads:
{"hour": 7, "minute": 25}
